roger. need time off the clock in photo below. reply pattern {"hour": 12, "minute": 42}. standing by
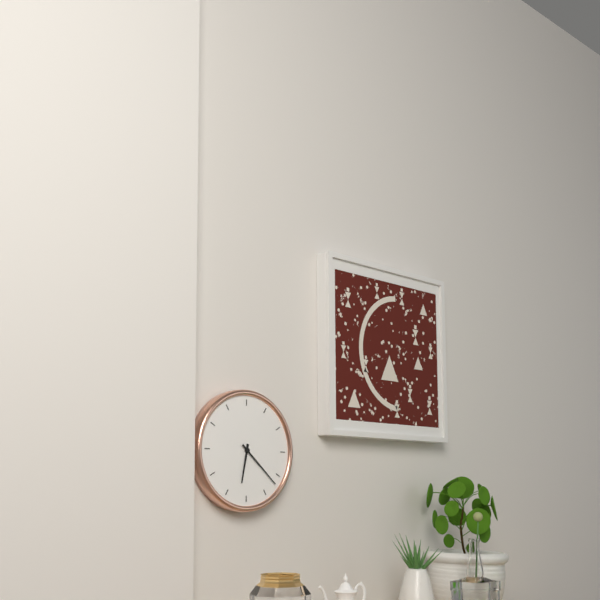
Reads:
{"hour": 6, "minute": 22}
